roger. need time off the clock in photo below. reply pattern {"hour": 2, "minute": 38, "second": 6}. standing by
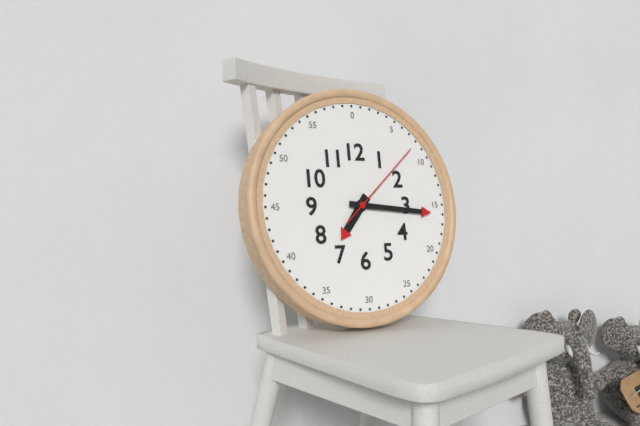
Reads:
{"hour": 7, "minute": 16, "second": 8}
